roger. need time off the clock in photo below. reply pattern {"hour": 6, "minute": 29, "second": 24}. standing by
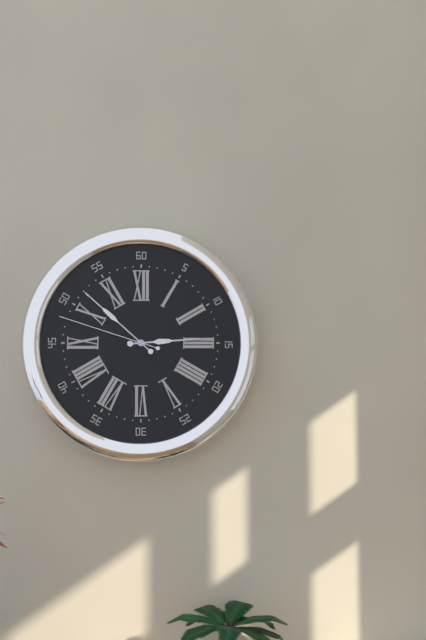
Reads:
{"hour": 2, "minute": 52, "second": 48}
